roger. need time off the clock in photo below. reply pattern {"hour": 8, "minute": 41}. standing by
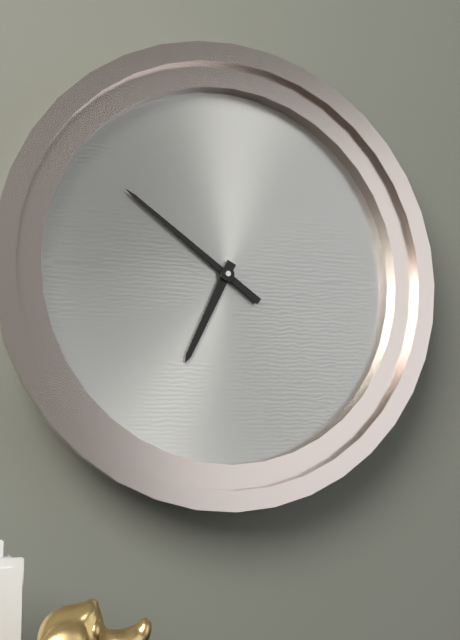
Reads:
{"hour": 6, "minute": 51}
